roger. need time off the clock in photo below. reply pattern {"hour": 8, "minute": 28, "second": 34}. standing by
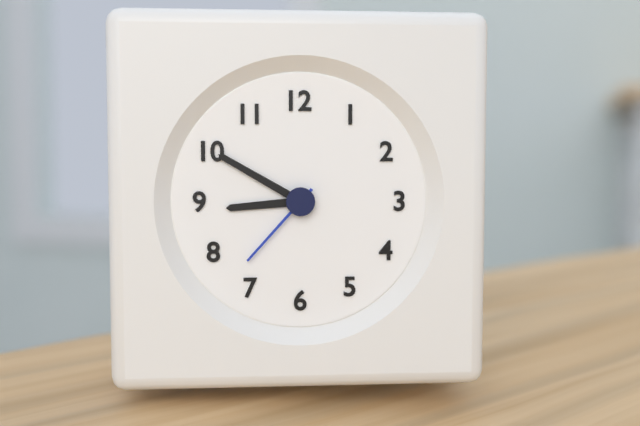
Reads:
{"hour": 8, "minute": 50, "second": 37}
